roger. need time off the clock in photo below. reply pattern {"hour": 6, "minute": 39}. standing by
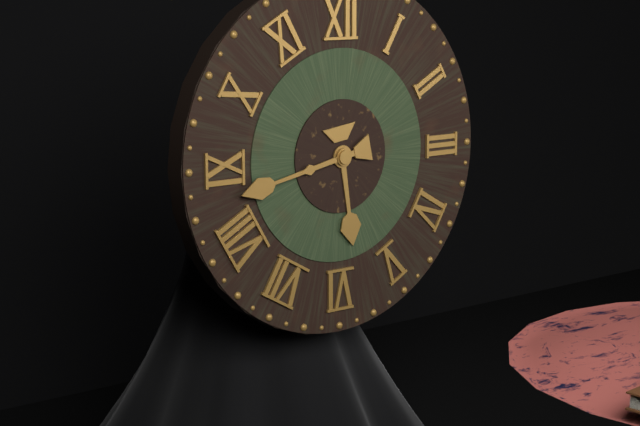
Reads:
{"hour": 5, "minute": 43}
